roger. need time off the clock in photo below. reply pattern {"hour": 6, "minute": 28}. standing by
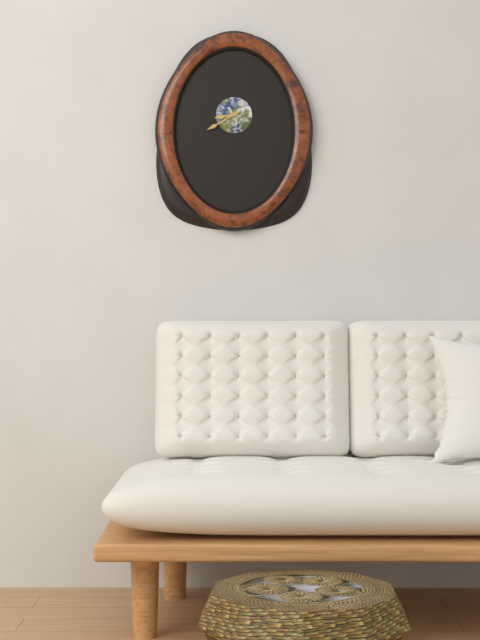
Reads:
{"hour": 8, "minute": 40}
